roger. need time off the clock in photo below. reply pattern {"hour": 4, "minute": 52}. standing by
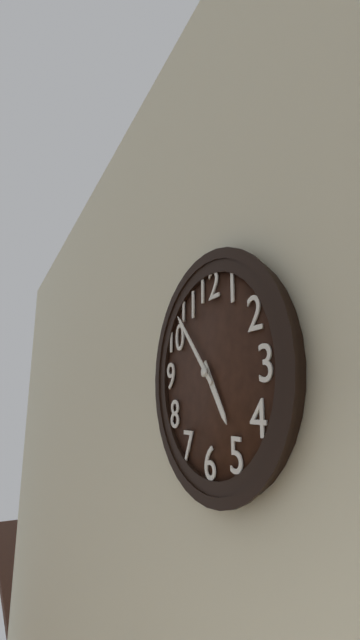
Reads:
{"hour": 4, "minute": 53}
